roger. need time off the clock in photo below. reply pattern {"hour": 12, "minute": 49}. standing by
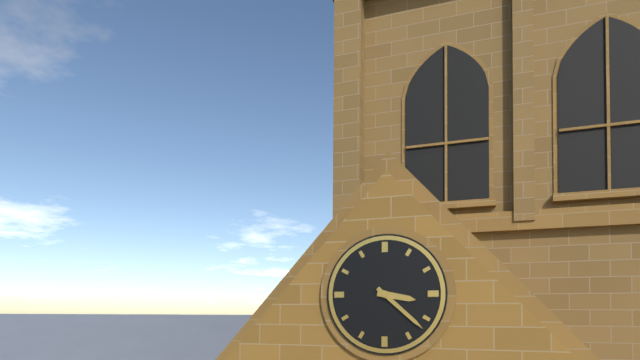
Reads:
{"hour": 3, "minute": 22}
